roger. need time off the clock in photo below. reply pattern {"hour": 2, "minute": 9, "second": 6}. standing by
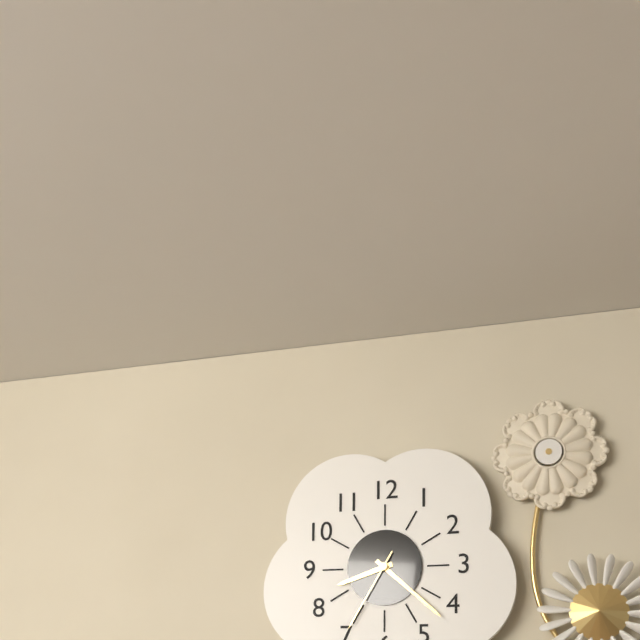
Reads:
{"hour": 8, "minute": 22, "second": 35}
